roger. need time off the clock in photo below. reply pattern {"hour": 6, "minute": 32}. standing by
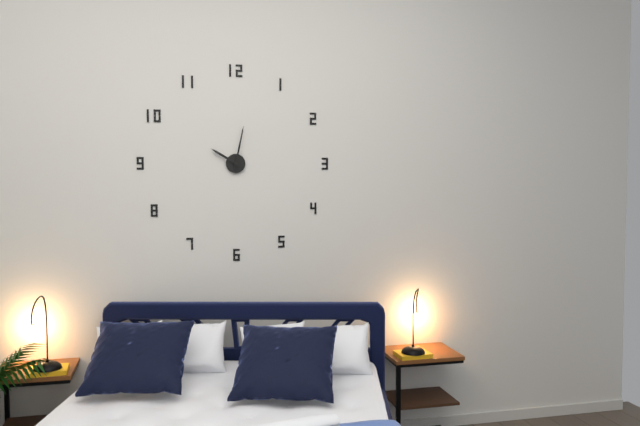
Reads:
{"hour": 10, "minute": 2}
